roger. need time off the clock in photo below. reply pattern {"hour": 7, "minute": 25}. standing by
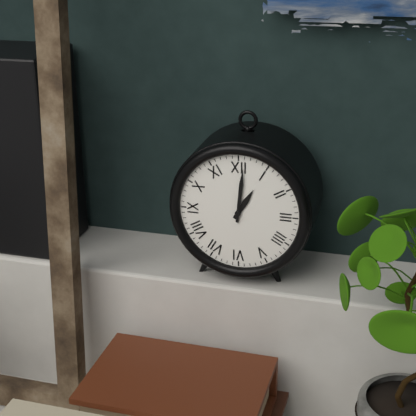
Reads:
{"hour": 1, "minute": 1}
